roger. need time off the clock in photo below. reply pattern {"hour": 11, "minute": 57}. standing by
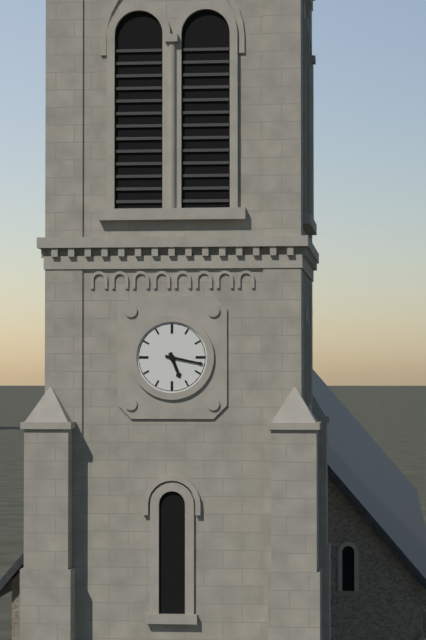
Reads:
{"hour": 5, "minute": 17}
